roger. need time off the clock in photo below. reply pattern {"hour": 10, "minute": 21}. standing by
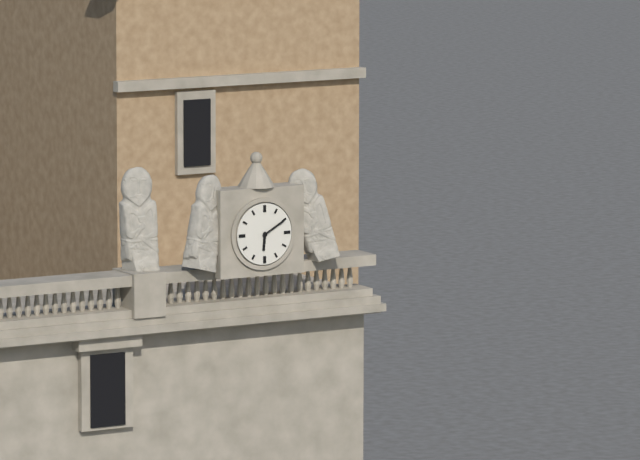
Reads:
{"hour": 6, "minute": 10}
